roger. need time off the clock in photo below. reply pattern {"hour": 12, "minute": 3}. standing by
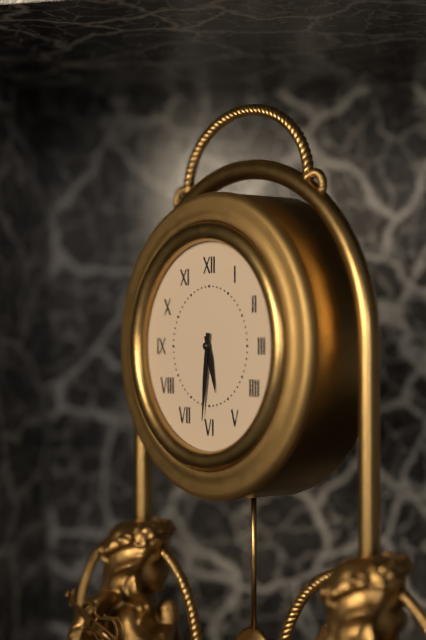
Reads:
{"hour": 5, "minute": 31}
